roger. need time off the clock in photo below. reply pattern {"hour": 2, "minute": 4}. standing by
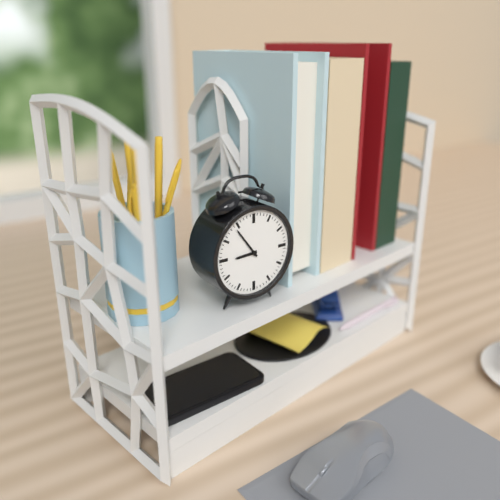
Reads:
{"hour": 8, "minute": 54}
